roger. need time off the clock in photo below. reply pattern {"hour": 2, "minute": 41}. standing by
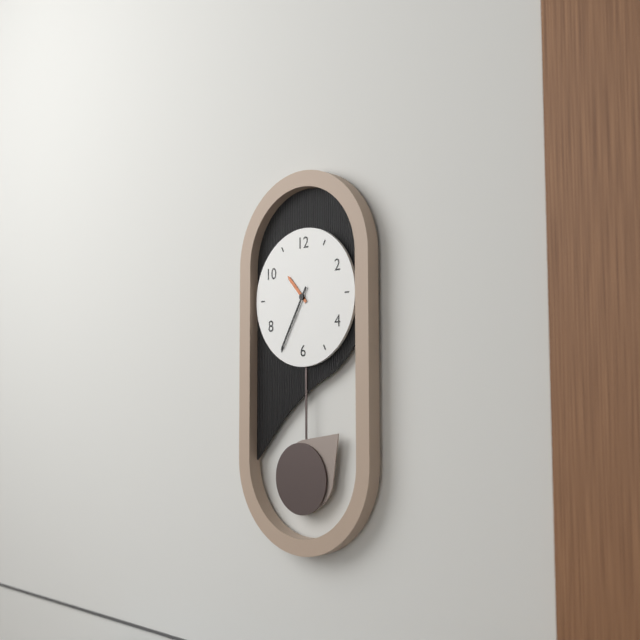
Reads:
{"hour": 10, "minute": 35}
